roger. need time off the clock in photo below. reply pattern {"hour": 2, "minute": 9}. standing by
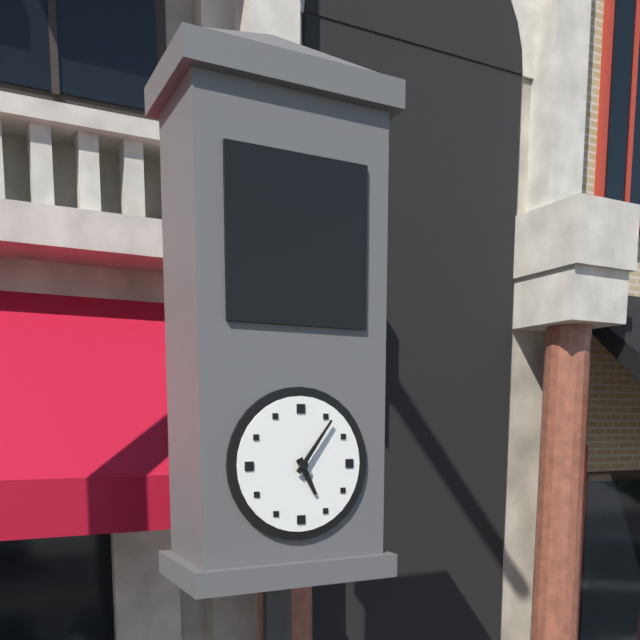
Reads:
{"hour": 5, "minute": 6}
